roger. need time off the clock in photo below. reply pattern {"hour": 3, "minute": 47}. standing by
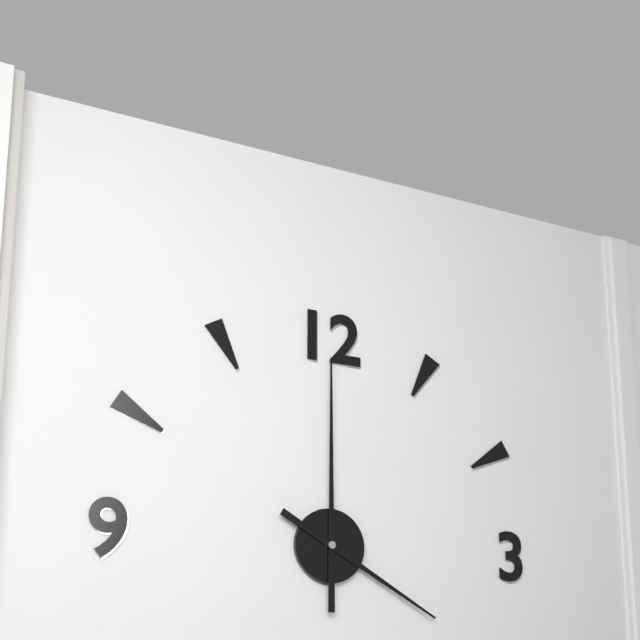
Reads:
{"hour": 4, "minute": 0}
